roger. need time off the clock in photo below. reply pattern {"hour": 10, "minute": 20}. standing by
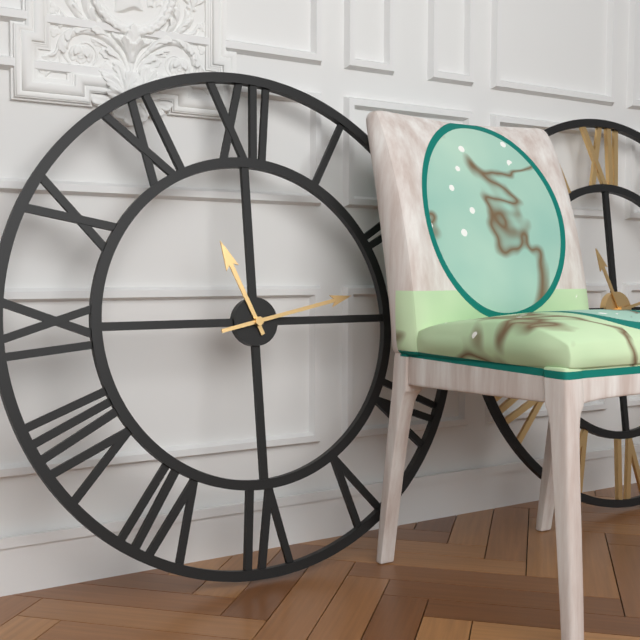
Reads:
{"hour": 11, "minute": 13}
